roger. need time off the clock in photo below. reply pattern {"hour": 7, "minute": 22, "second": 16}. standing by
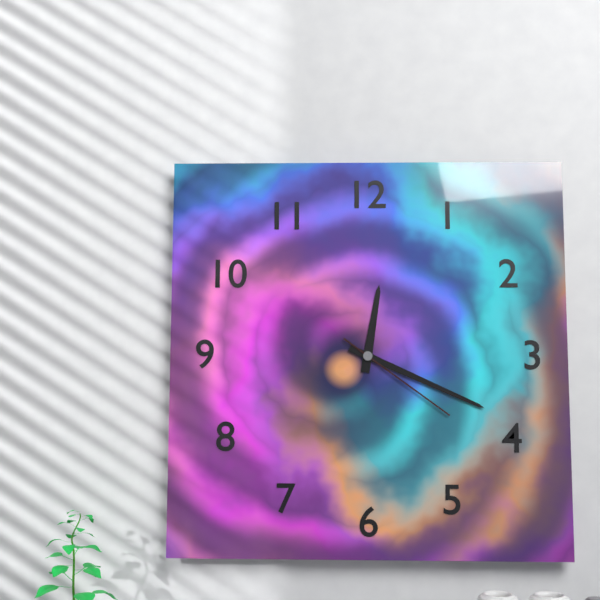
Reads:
{"hour": 12, "minute": 19, "second": 21}
